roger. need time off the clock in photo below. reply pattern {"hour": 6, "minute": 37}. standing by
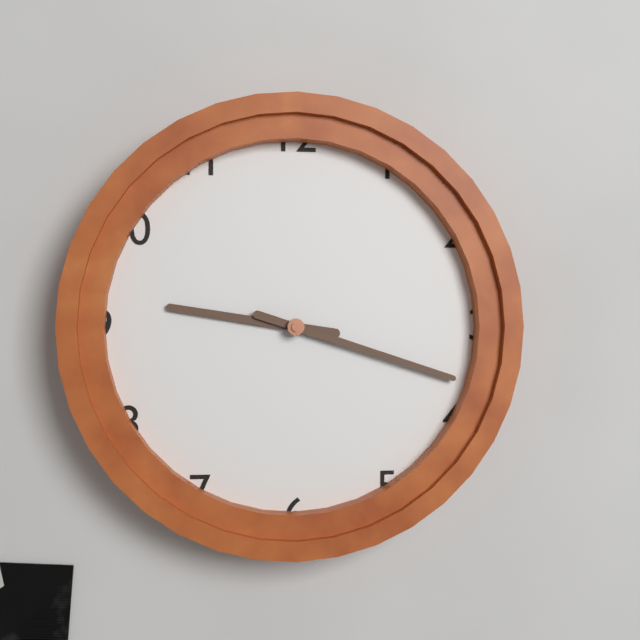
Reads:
{"hour": 9, "minute": 18}
